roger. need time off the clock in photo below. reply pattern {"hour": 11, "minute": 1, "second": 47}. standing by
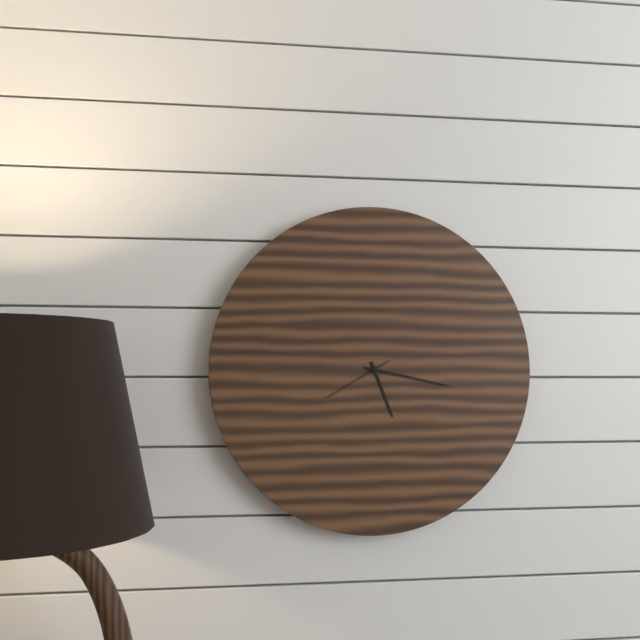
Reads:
{"hour": 5, "minute": 17, "second": 40}
